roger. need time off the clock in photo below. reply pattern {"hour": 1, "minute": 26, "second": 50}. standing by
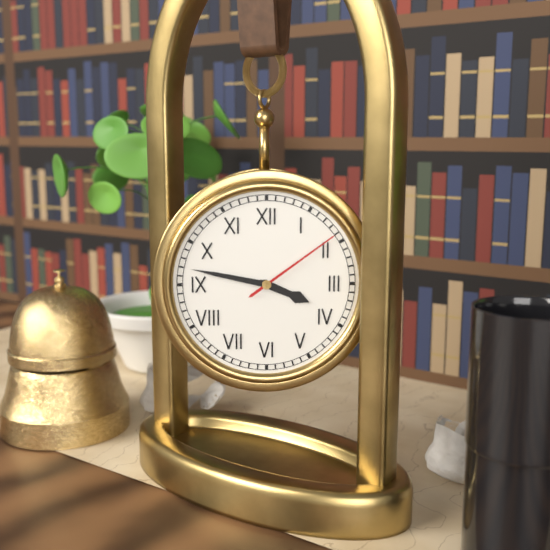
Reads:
{"hour": 3, "minute": 47, "second": 9}
